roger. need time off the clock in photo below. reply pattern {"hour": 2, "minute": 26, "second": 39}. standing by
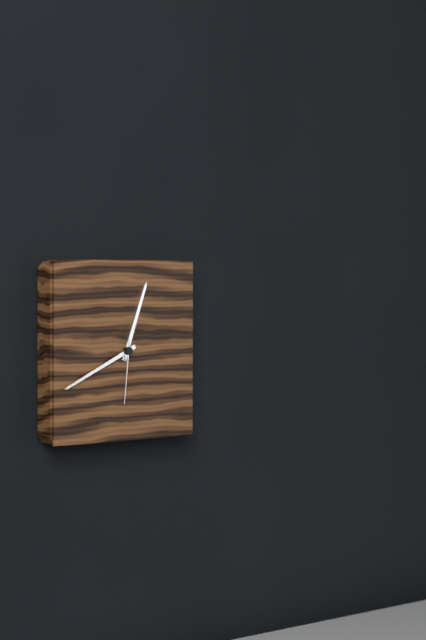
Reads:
{"hour": 12, "minute": 41, "second": 31}
